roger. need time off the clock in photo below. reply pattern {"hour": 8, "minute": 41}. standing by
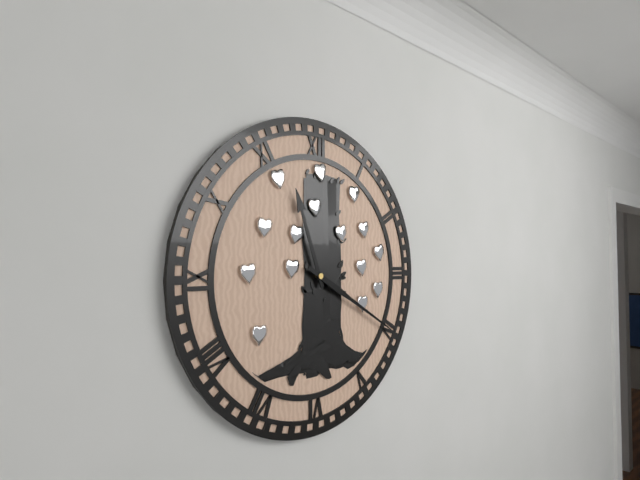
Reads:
{"hour": 11, "minute": 20}
